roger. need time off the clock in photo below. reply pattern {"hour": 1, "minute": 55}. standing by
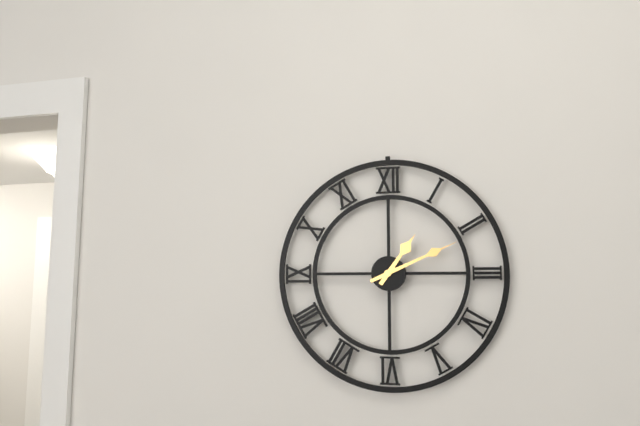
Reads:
{"hour": 1, "minute": 11}
